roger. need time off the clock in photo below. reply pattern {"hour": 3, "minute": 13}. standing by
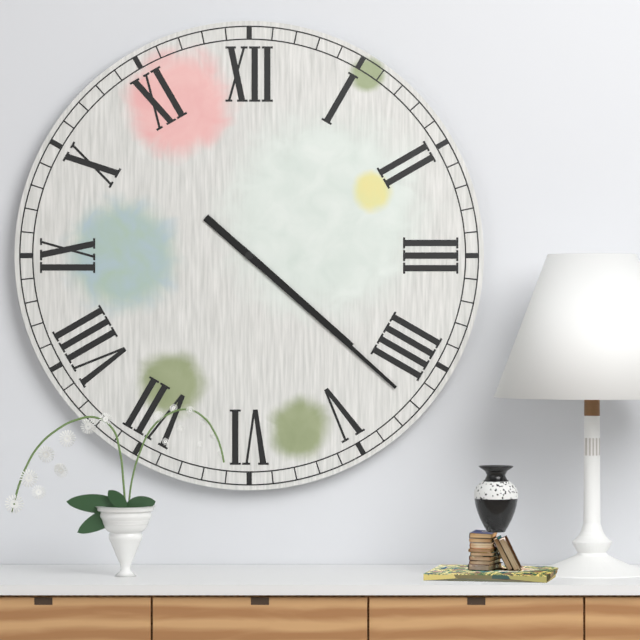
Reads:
{"hour": 4, "minute": 22}
